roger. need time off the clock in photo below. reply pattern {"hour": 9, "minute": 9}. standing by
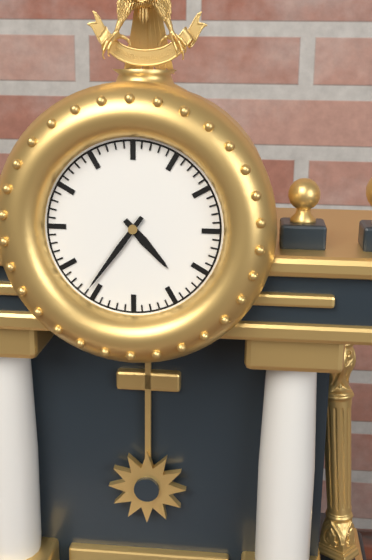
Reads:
{"hour": 4, "minute": 36}
